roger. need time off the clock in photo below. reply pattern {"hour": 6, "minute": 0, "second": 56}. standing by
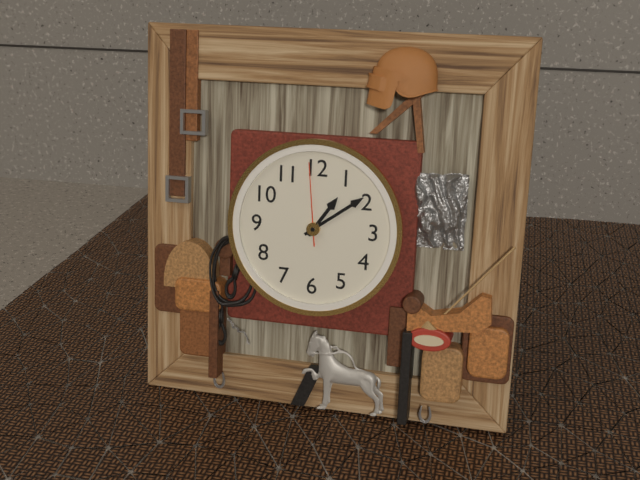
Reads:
{"hour": 1, "minute": 9, "second": 59}
